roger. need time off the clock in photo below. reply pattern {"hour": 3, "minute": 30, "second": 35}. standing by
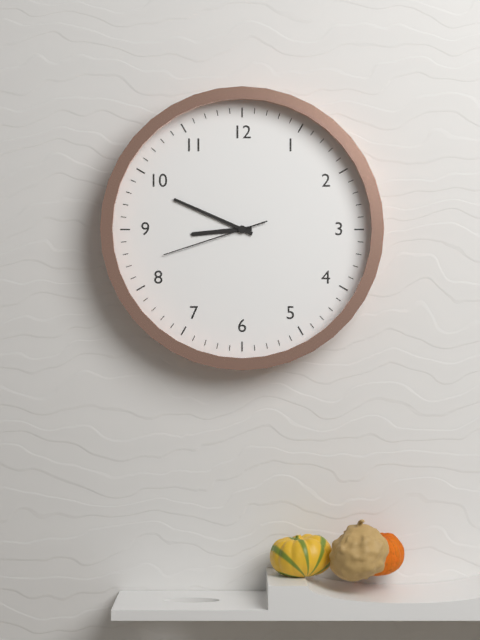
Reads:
{"hour": 8, "minute": 49, "second": 42}
